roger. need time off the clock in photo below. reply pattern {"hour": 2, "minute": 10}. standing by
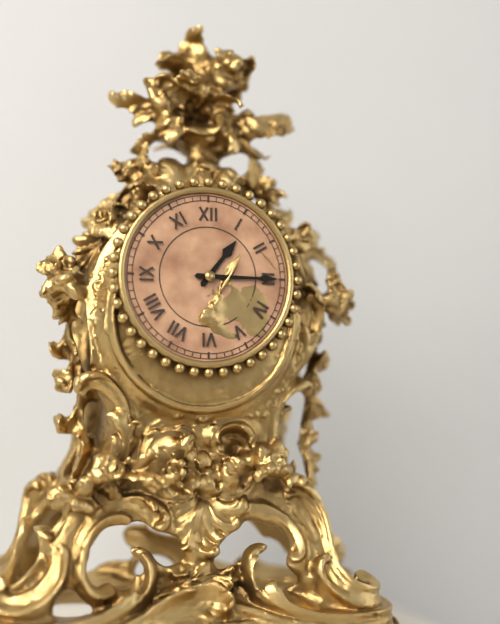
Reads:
{"hour": 1, "minute": 15}
